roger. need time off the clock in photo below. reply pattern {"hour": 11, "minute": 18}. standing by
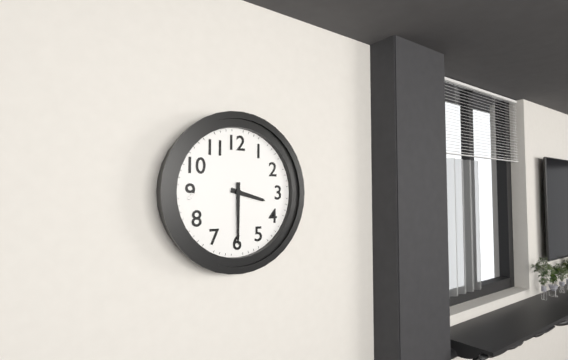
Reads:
{"hour": 3, "minute": 30}
